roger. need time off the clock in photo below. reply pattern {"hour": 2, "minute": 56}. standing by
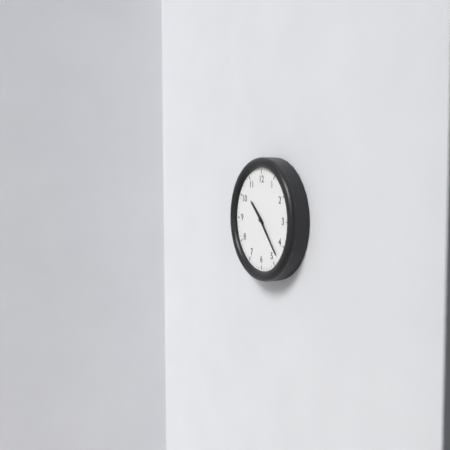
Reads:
{"hour": 10, "minute": 23}
